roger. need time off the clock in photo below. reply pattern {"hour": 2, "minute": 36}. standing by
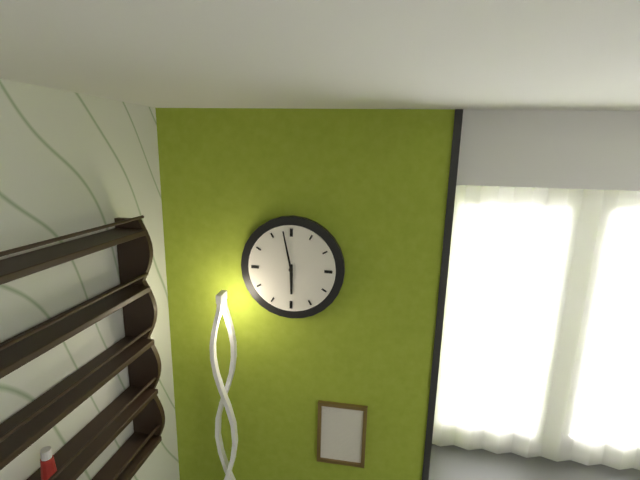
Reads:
{"hour": 5, "minute": 58}
